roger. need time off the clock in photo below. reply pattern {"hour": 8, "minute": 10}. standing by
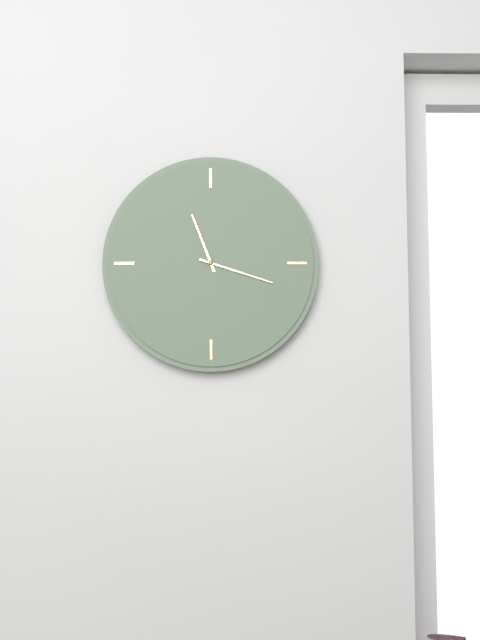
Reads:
{"hour": 11, "minute": 18}
